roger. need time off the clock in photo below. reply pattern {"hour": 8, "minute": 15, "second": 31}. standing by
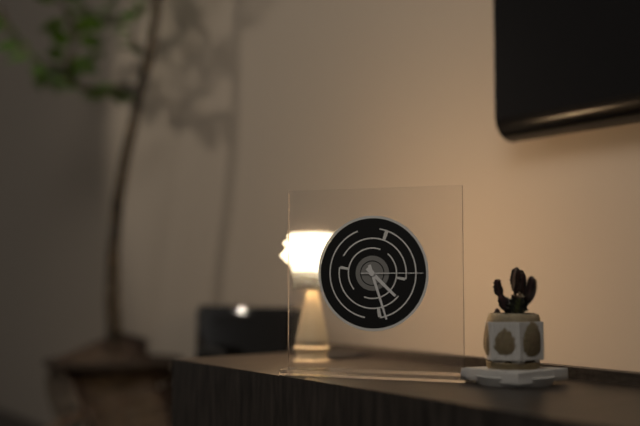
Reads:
{"hour": 4, "minute": 27, "second": 15}
